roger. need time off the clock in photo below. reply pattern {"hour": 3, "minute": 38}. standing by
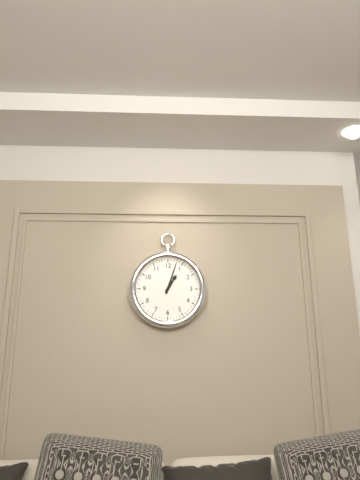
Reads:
{"hour": 1, "minute": 3}
